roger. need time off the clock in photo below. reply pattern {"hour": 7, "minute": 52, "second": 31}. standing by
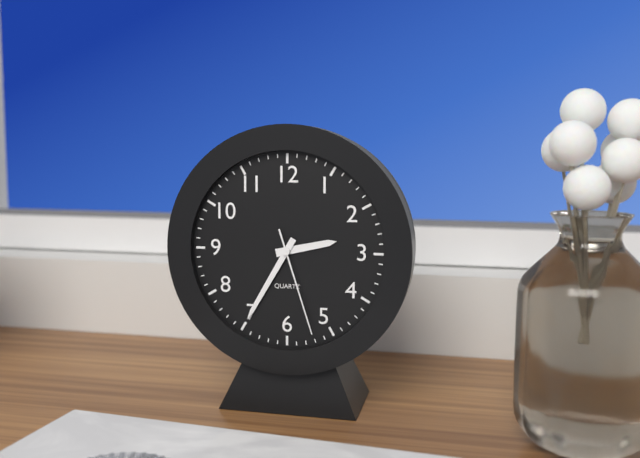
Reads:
{"hour": 2, "minute": 35, "second": 27}
